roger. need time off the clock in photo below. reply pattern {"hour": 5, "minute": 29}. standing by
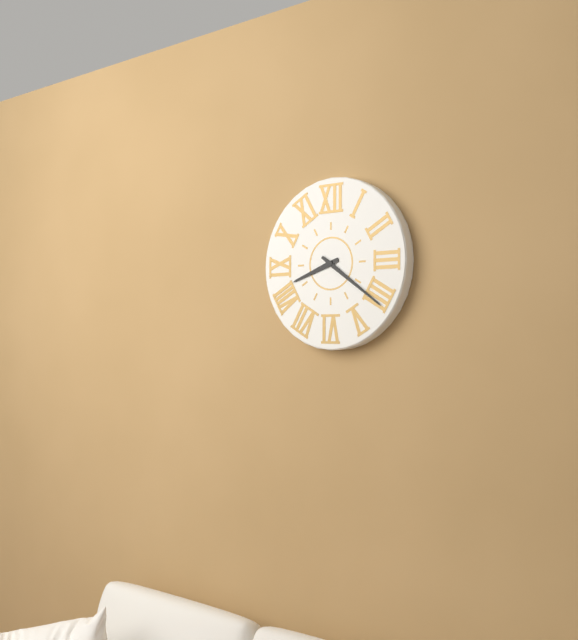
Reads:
{"hour": 8, "minute": 21}
